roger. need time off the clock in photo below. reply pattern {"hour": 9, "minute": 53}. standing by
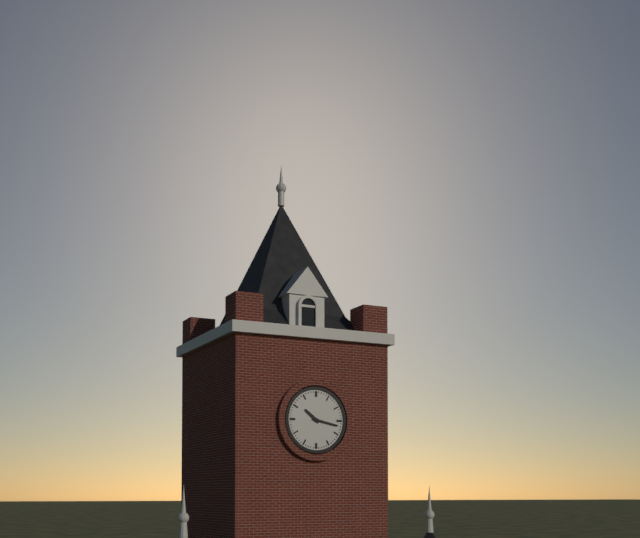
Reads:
{"hour": 10, "minute": 17}
